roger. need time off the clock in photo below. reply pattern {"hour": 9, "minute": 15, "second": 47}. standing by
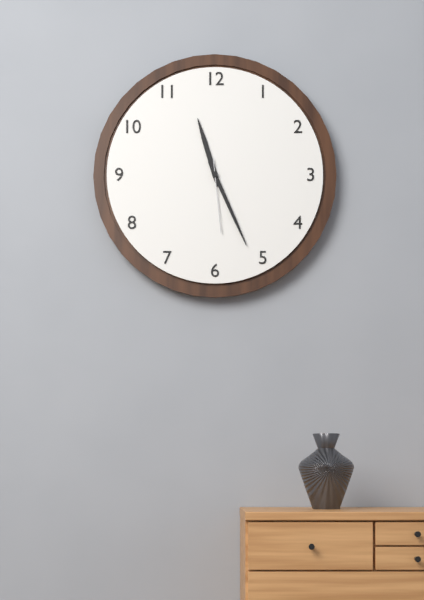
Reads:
{"hour": 11, "minute": 26, "second": 29}
